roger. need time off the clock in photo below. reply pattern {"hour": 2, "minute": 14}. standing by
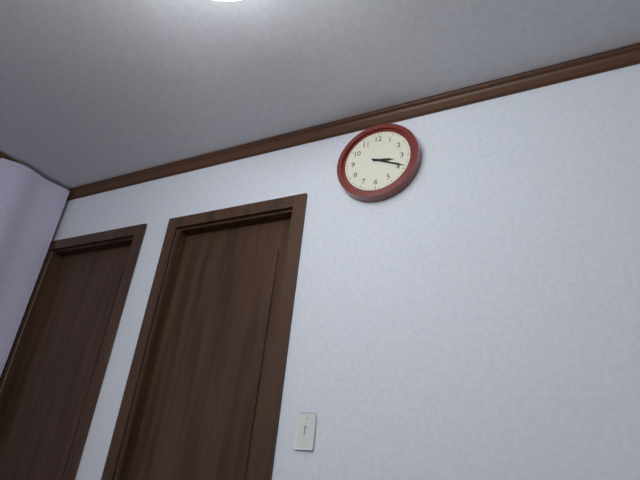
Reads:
{"hour": 3, "minute": 19}
